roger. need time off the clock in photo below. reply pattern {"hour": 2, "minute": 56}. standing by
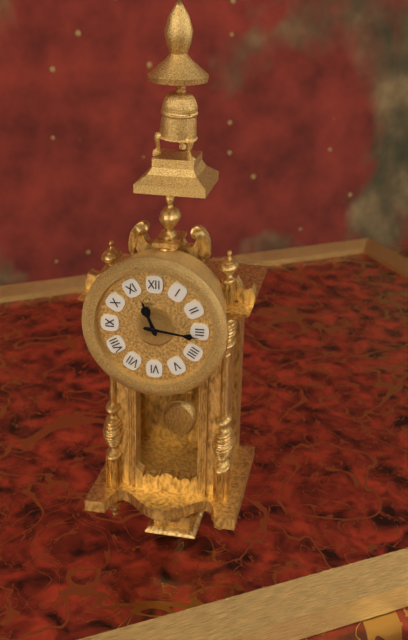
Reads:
{"hour": 11, "minute": 16}
